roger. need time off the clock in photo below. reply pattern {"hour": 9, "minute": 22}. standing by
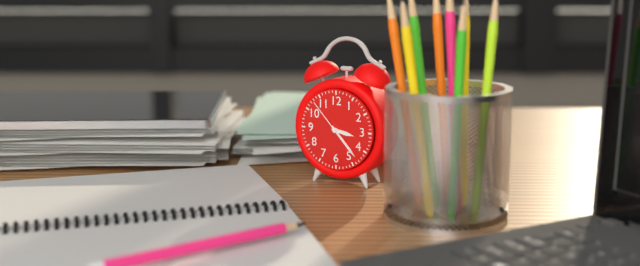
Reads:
{"hour": 3, "minute": 23}
